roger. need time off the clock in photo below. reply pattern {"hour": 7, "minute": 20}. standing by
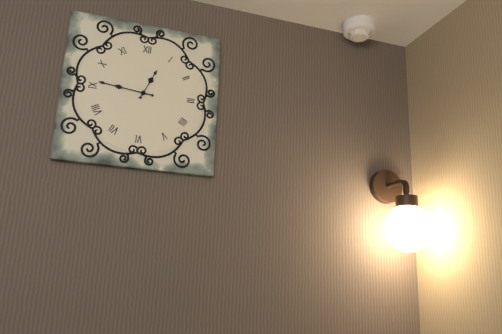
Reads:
{"hour": 12, "minute": 46}
